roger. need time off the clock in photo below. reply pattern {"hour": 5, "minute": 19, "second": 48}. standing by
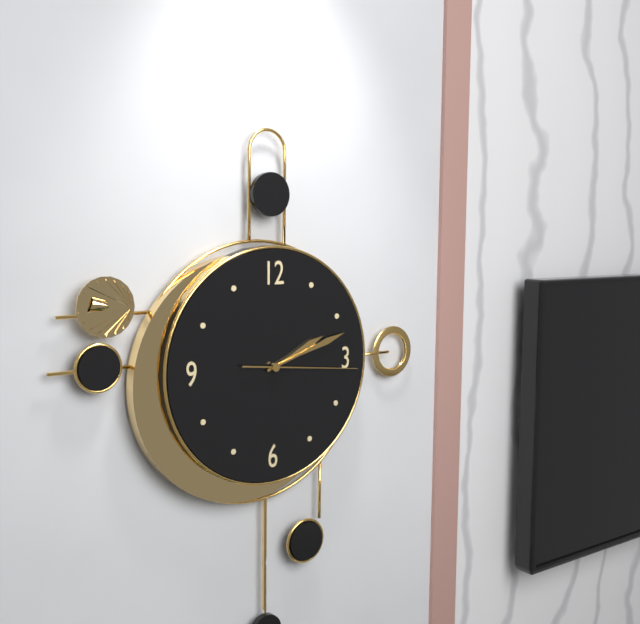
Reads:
{"hour": 2, "minute": 12, "second": 16}
